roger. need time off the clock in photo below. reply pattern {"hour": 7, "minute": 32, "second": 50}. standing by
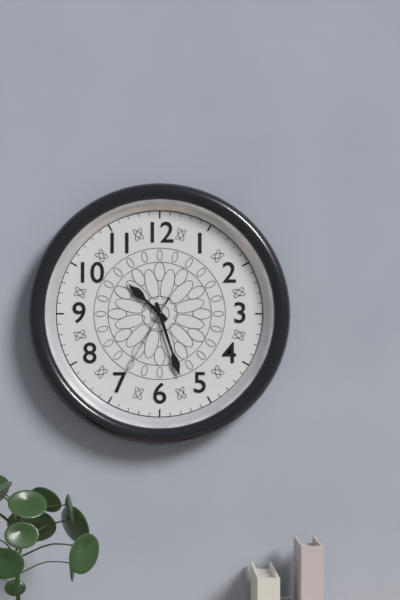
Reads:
{"hour": 10, "minute": 27, "second": 35}
